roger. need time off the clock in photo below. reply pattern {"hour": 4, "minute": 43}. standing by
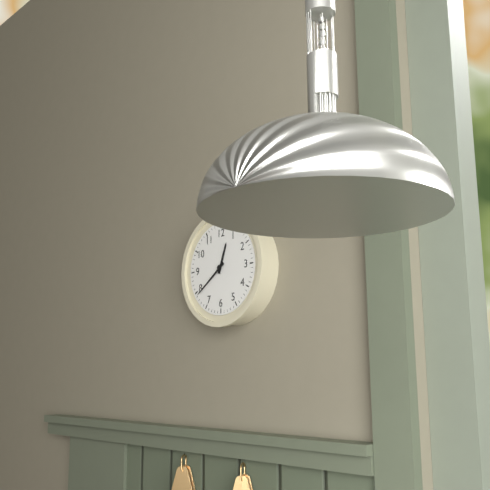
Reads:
{"hour": 12, "minute": 39}
